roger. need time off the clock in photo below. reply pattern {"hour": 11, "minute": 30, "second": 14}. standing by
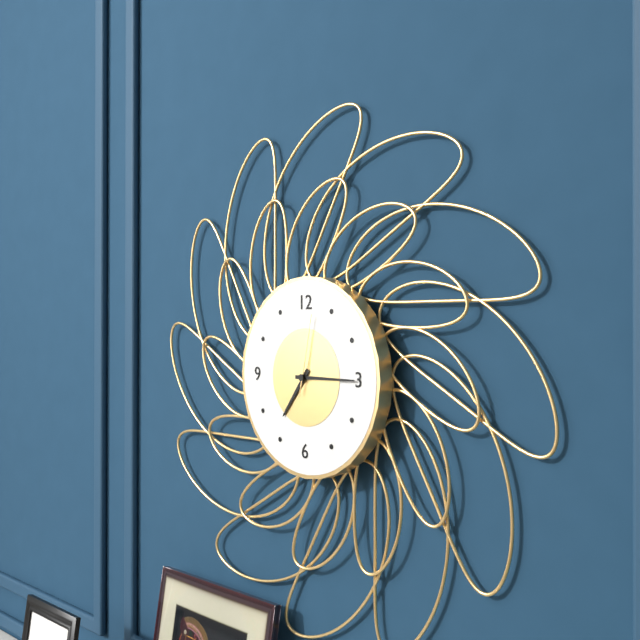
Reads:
{"hour": 7, "minute": 15, "second": 2}
